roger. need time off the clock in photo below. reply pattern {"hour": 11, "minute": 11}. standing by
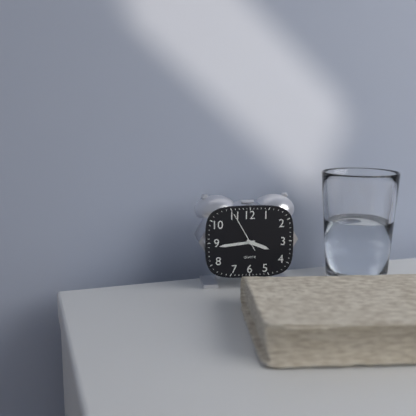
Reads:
{"hour": 3, "minute": 44}
